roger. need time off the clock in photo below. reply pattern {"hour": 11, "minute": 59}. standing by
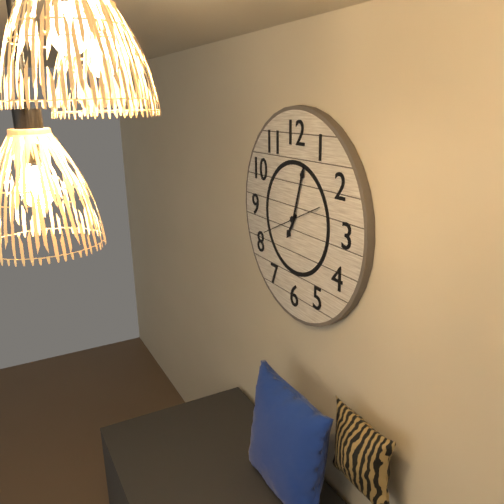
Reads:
{"hour": 7, "minute": 3}
